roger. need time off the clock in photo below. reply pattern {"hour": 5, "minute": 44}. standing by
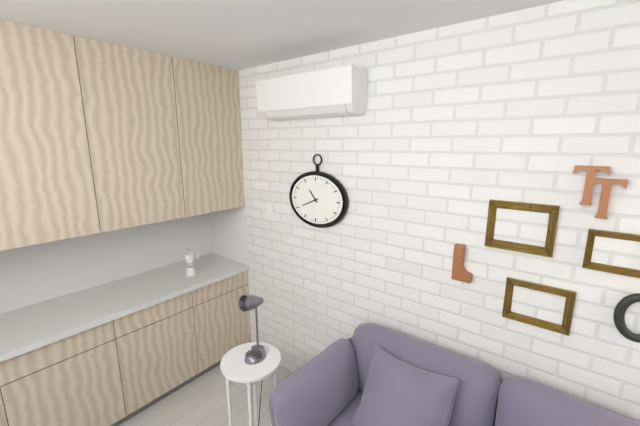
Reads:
{"hour": 10, "minute": 41}
